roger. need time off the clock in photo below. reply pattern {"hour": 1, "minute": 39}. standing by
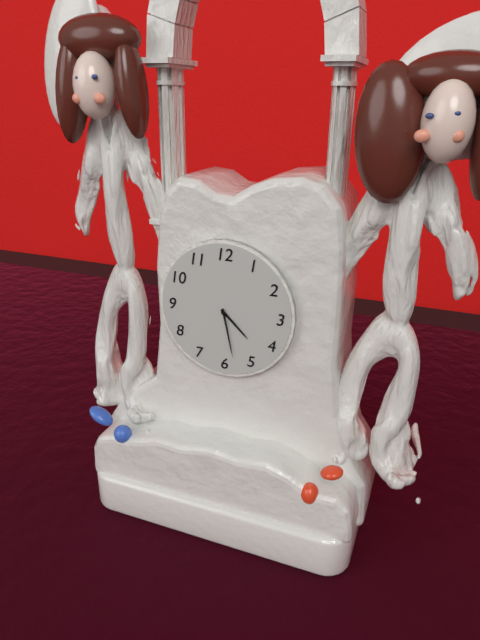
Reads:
{"hour": 4, "minute": 28}
